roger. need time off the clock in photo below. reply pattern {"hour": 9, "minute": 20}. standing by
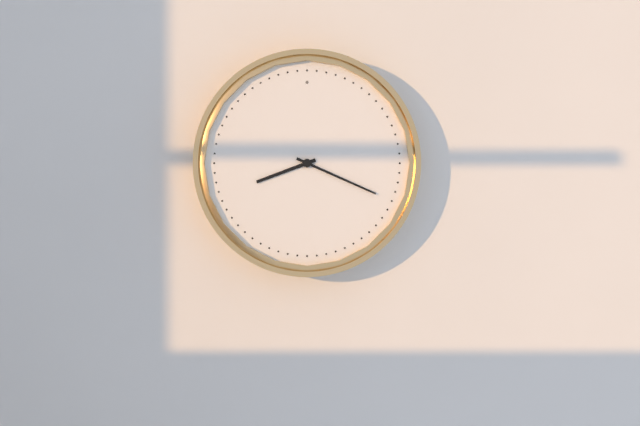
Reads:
{"hour": 8, "minute": 19}
